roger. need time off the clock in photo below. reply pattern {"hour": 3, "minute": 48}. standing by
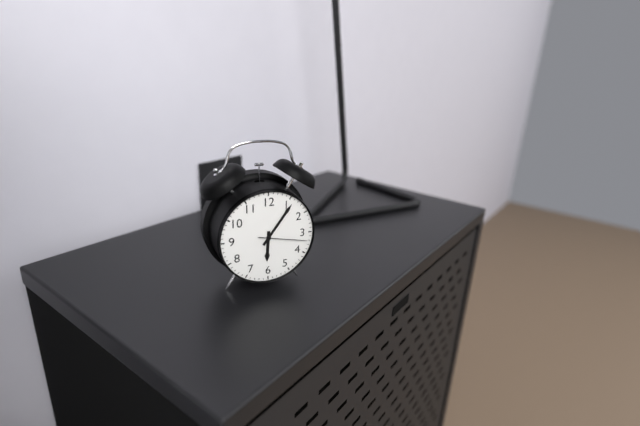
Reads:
{"hour": 6, "minute": 6}
